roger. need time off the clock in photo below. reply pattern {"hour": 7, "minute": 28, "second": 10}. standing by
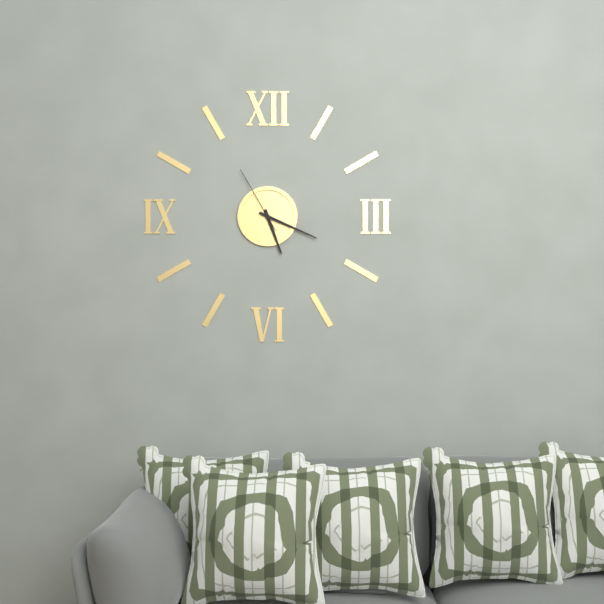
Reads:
{"hour": 5, "minute": 19, "second": 55}
